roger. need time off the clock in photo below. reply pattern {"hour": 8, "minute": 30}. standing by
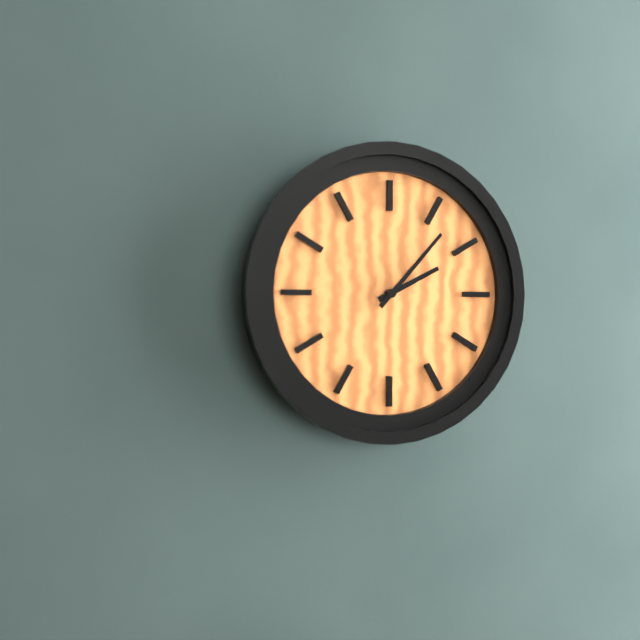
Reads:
{"hour": 2, "minute": 7}
